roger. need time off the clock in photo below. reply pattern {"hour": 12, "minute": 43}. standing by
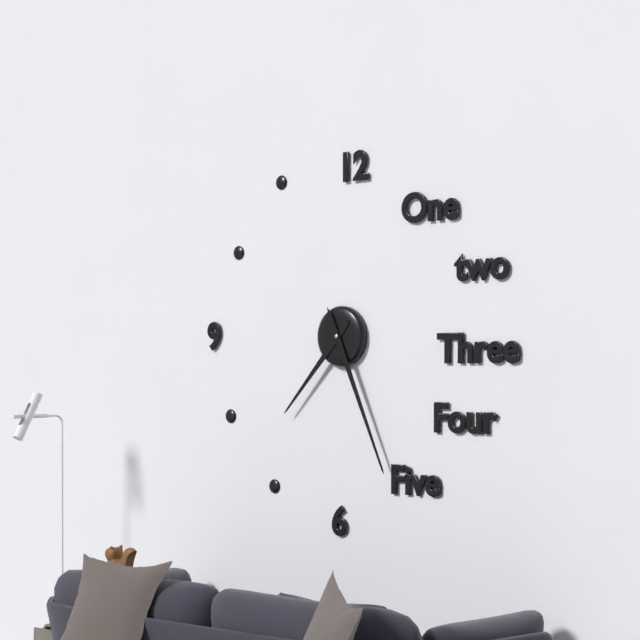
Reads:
{"hour": 7, "minute": 26}
